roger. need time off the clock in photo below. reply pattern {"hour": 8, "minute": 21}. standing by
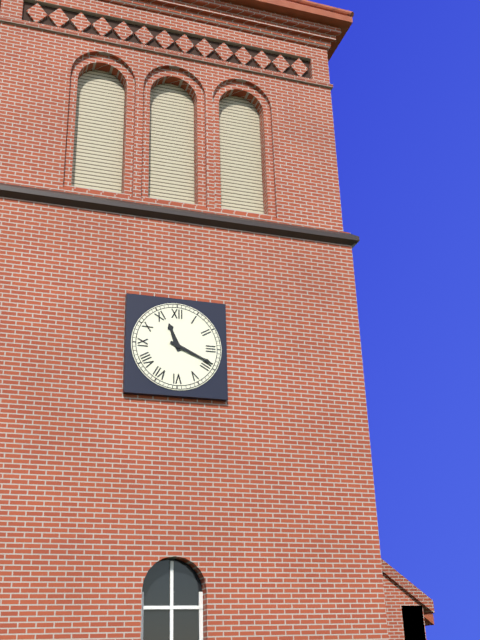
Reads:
{"hour": 11, "minute": 19}
